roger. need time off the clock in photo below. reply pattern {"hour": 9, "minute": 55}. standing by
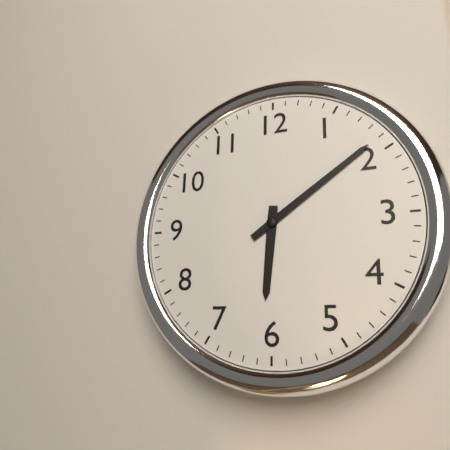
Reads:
{"hour": 6, "minute": 9}
